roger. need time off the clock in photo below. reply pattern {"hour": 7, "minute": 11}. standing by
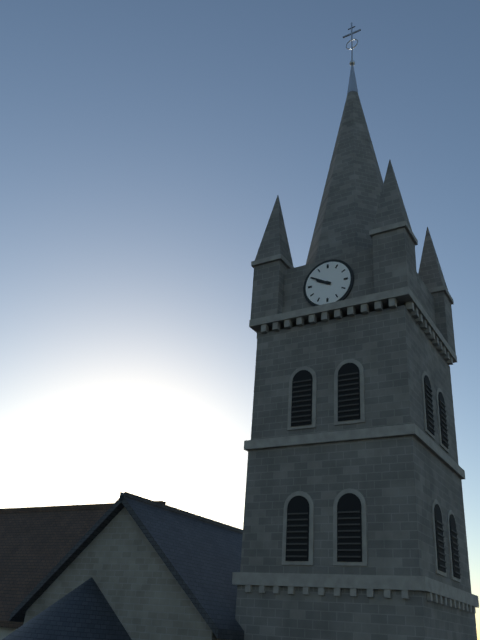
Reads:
{"hour": 9, "minute": 50}
